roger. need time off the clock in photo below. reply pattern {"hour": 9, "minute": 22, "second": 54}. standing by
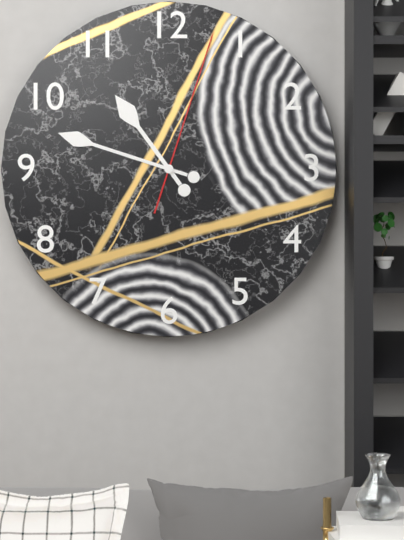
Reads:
{"hour": 10, "minute": 48, "second": 3}
